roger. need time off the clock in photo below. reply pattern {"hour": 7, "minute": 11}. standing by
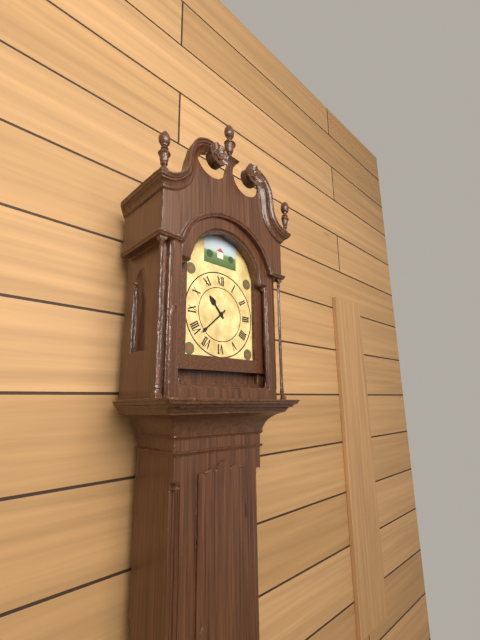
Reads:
{"hour": 10, "minute": 38}
